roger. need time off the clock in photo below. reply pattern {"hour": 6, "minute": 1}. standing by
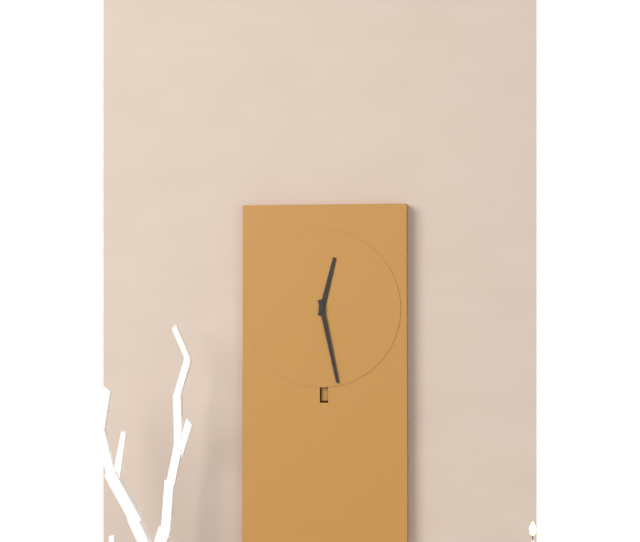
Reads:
{"hour": 12, "minute": 28}
